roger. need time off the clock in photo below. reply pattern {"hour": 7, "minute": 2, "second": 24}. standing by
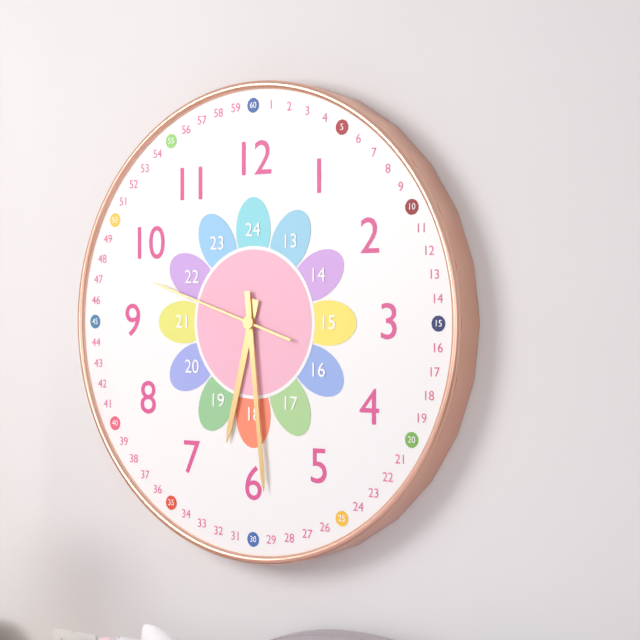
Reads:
{"hour": 6, "minute": 29, "second": 48}
